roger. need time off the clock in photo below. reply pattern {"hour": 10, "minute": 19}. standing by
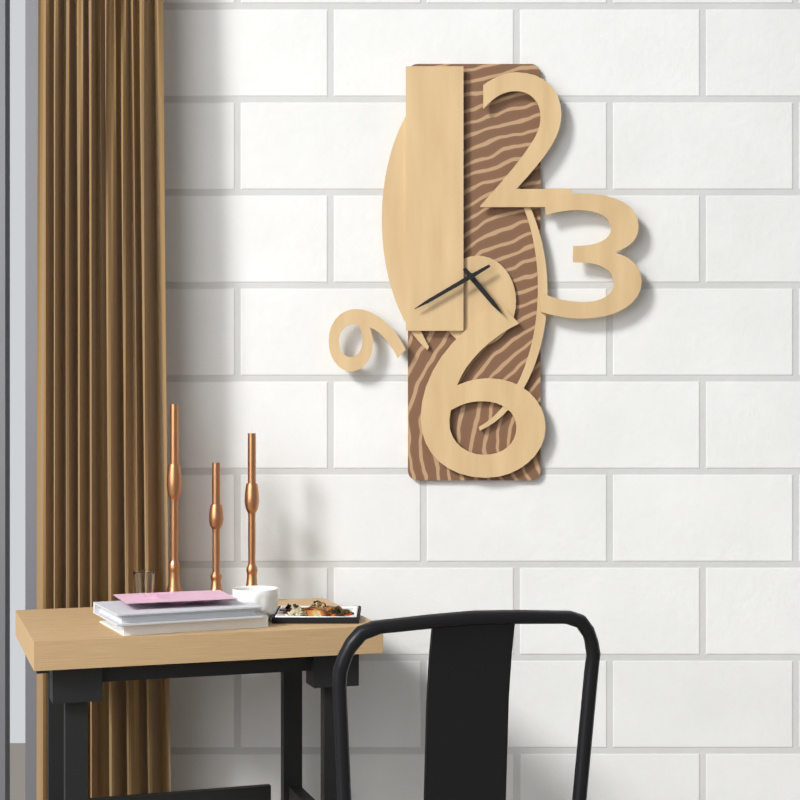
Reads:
{"hour": 4, "minute": 40}
